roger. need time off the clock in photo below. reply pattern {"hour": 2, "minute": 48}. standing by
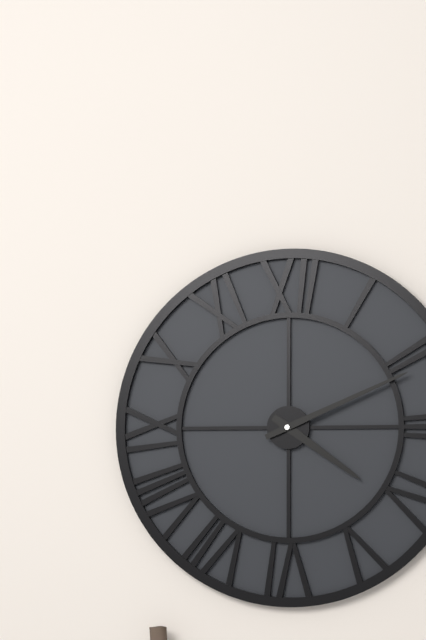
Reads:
{"hour": 4, "minute": 11}
